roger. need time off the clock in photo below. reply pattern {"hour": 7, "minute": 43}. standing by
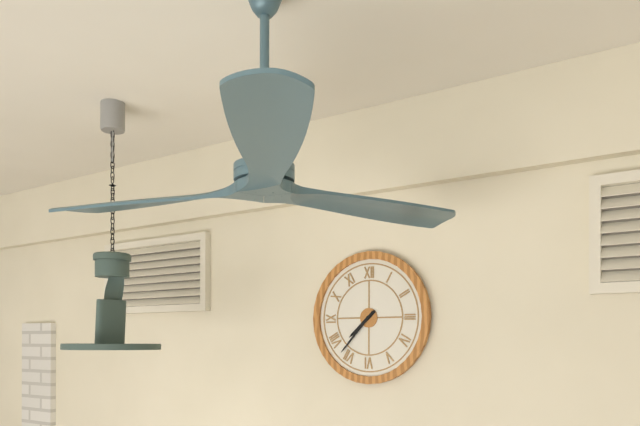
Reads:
{"hour": 7, "minute": 37}
